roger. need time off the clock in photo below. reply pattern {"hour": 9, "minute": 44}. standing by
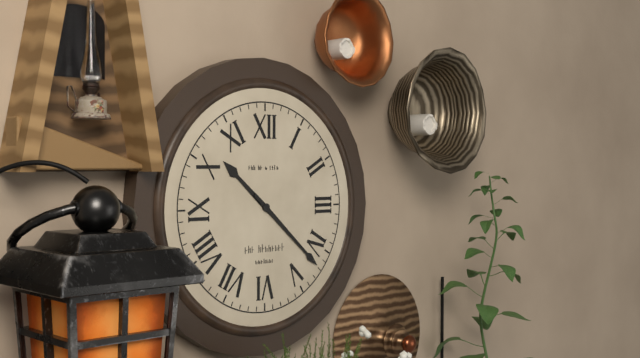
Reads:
{"hour": 10, "minute": 22}
